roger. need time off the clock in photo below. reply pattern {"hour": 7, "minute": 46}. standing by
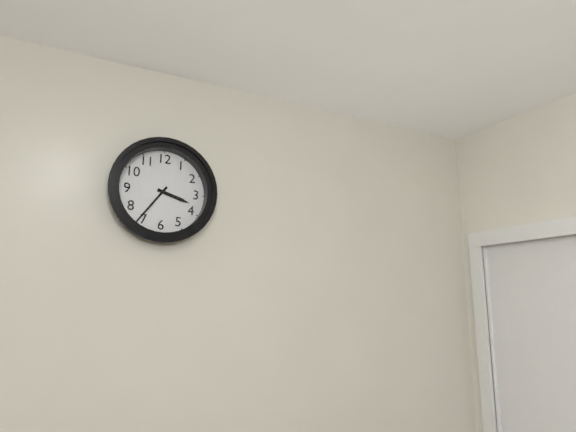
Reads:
{"hour": 3, "minute": 36}
